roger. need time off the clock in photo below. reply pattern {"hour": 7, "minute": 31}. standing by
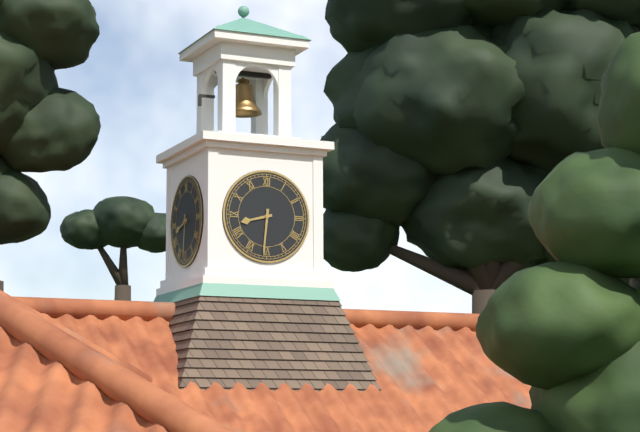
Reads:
{"hour": 8, "minute": 31}
